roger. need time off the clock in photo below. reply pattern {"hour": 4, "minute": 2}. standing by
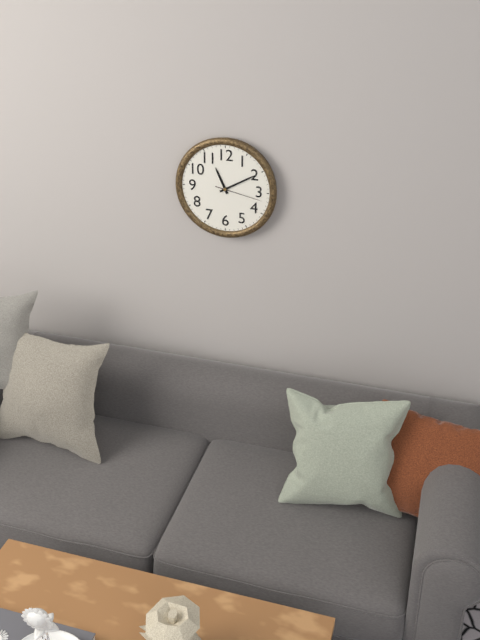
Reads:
{"hour": 11, "minute": 10}
